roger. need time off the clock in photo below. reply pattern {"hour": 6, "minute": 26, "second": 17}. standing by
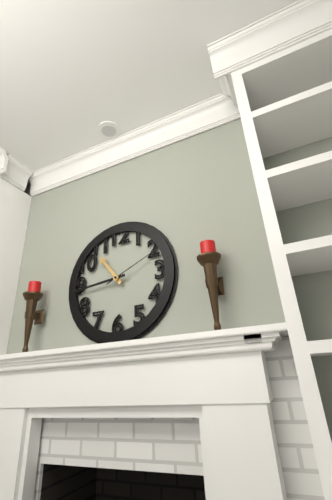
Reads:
{"hour": 10, "minute": 44, "second": 11}
